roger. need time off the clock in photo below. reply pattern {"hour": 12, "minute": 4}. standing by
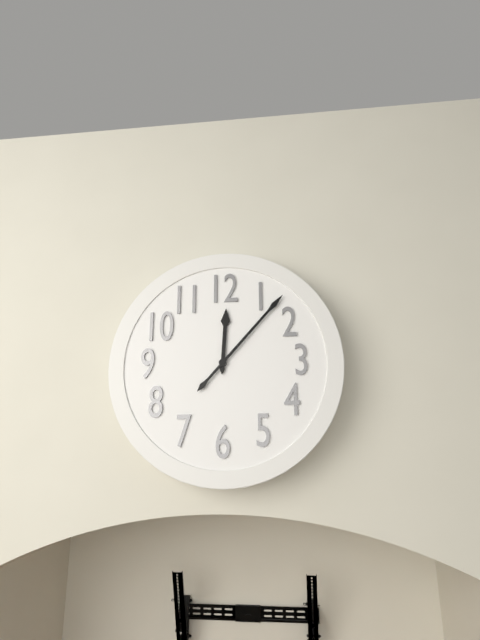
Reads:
{"hour": 12, "minute": 7}
